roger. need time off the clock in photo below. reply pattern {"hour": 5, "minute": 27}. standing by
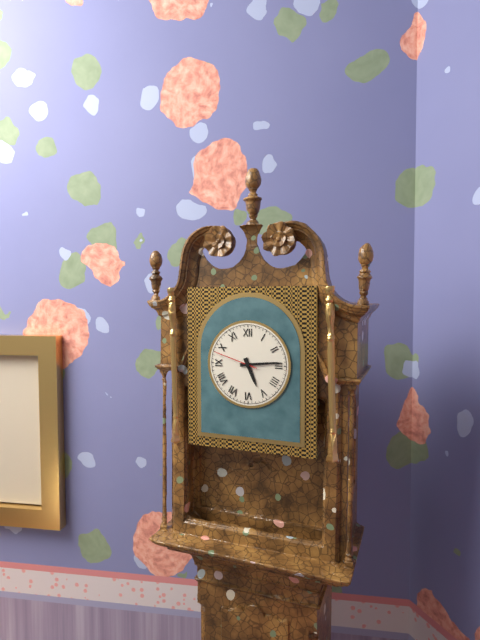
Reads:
{"hour": 5, "minute": 14}
